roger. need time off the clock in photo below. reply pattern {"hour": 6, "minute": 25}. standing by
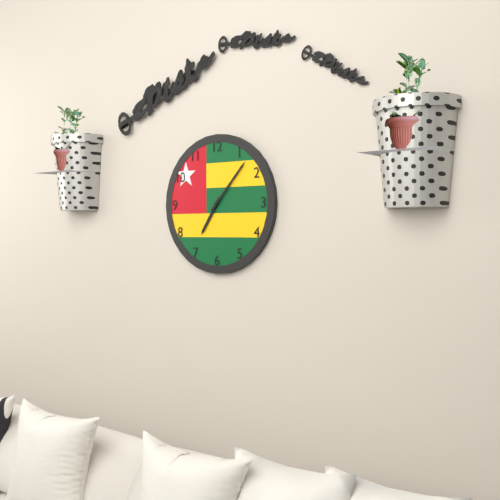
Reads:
{"hour": 7, "minute": 7}
